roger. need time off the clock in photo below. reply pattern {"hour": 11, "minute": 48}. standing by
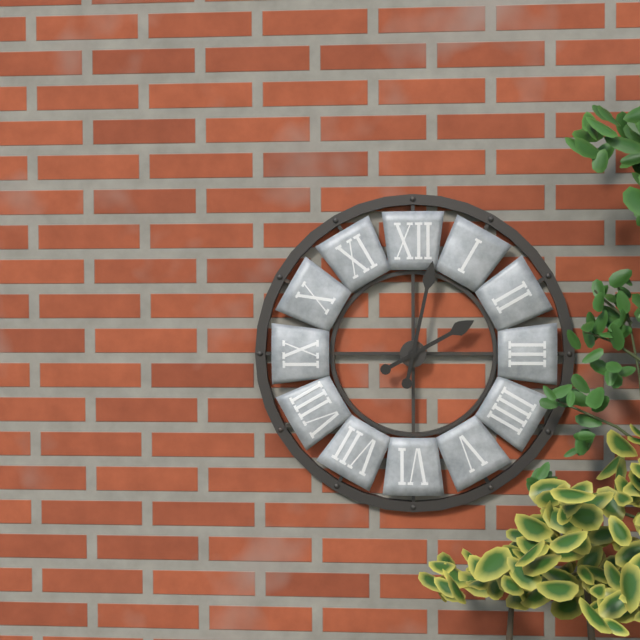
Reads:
{"hour": 2, "minute": 2}
